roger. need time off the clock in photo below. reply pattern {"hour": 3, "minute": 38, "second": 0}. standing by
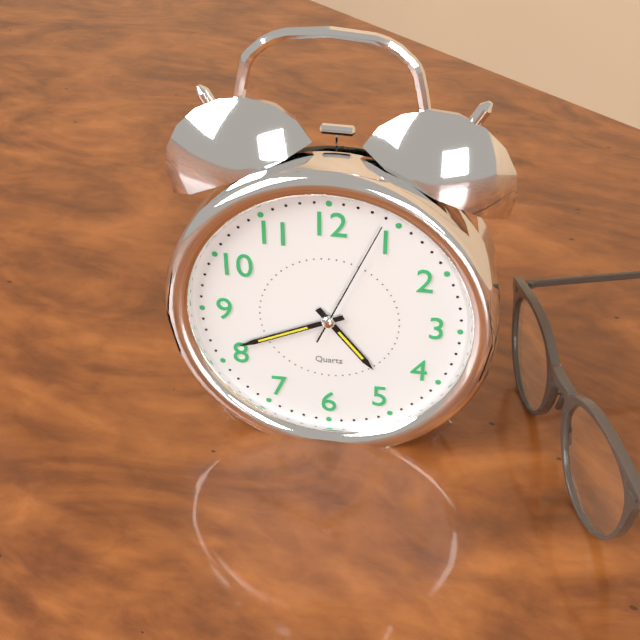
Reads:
{"hour": 4, "minute": 41, "second": 4}
